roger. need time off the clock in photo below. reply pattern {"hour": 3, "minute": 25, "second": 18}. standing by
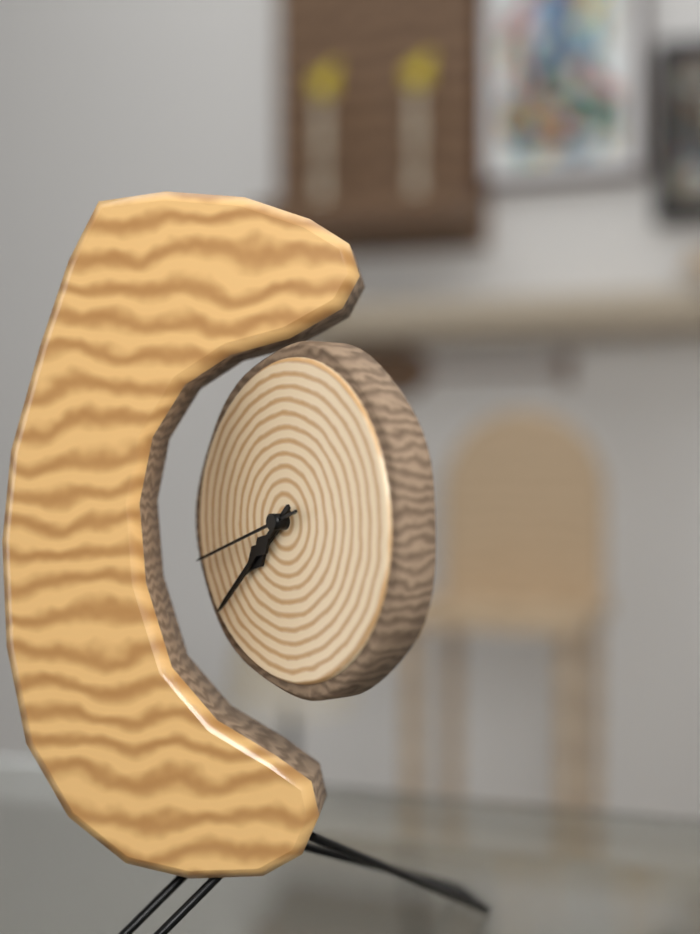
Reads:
{"hour": 7, "minute": 38, "second": 42}
